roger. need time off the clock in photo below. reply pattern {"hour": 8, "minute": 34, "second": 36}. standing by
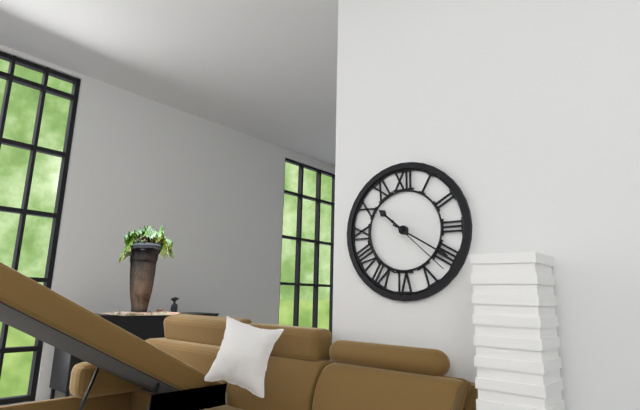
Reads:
{"hour": 10, "minute": 20, "second": 22}
